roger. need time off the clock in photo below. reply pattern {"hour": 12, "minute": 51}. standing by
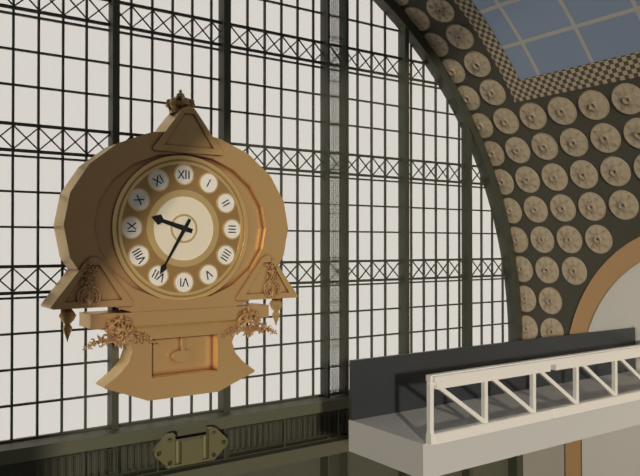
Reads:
{"hour": 9, "minute": 35}
